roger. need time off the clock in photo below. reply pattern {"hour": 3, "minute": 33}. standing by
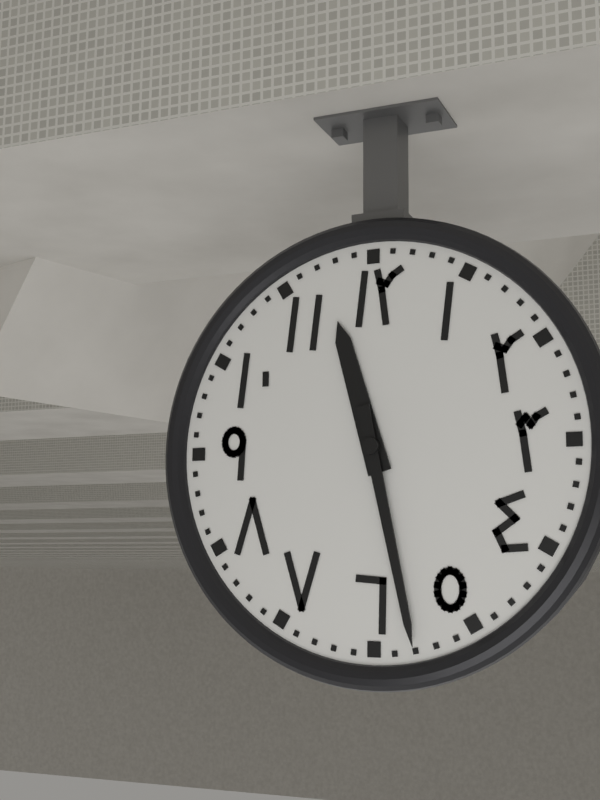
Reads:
{"hour": 11, "minute": 28}
